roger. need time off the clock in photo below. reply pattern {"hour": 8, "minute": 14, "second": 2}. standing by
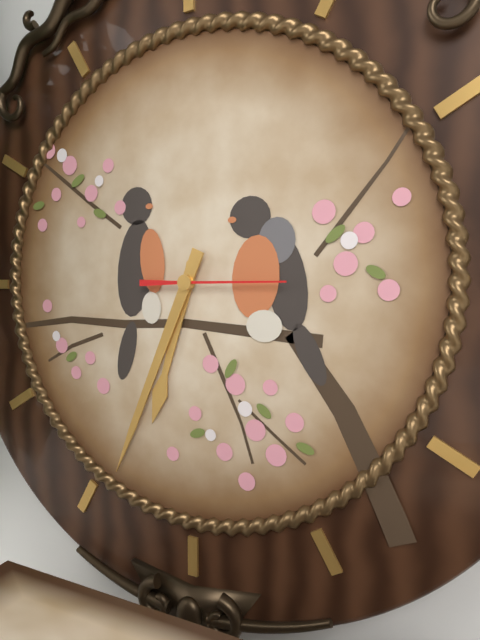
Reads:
{"hour": 6, "minute": 34, "second": 15}
